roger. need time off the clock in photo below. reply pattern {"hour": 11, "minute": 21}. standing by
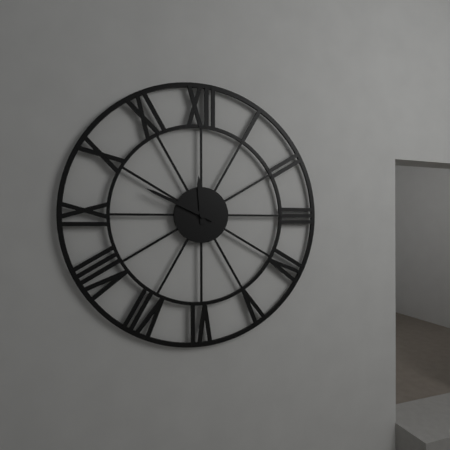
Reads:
{"hour": 11, "minute": 49}
